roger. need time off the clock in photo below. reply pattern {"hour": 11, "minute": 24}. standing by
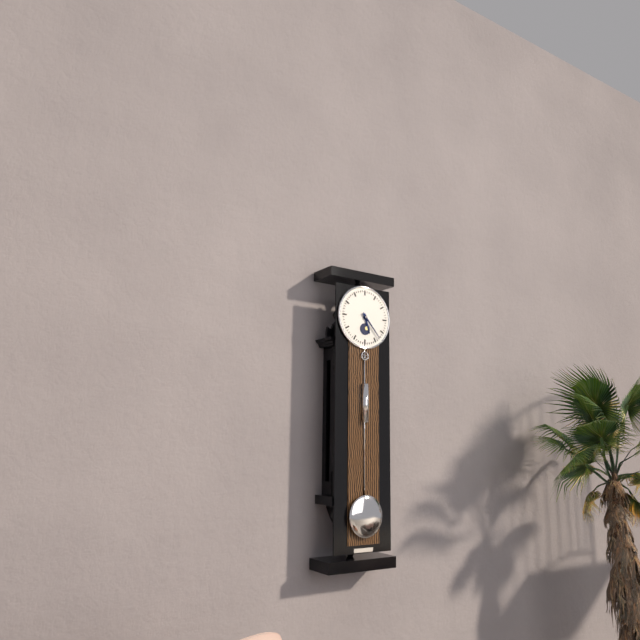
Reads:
{"hour": 5, "minute": 23}
